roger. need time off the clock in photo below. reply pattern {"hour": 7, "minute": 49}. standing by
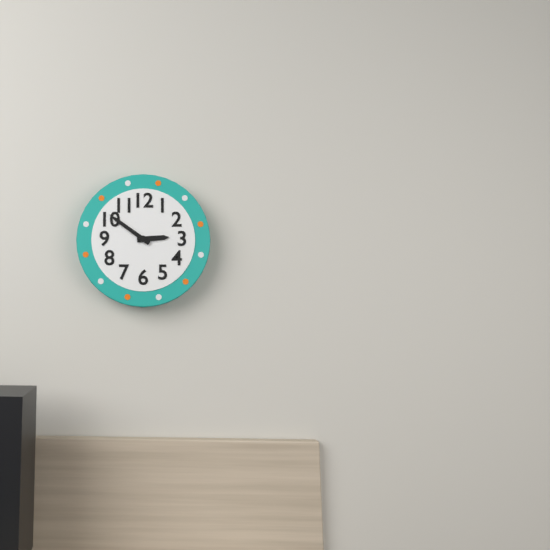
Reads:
{"hour": 2, "minute": 51}
